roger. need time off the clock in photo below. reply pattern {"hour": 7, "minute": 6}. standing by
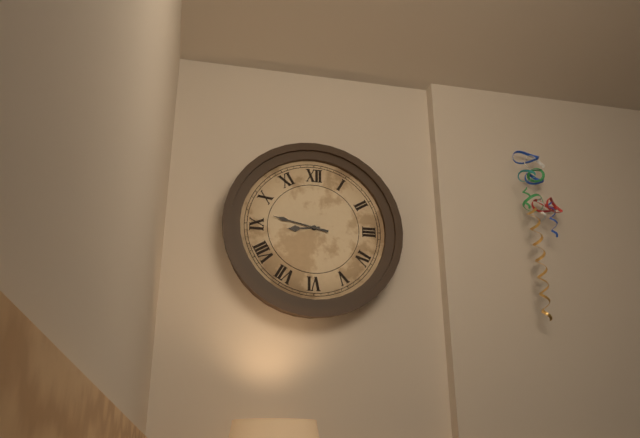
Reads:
{"hour": 8, "minute": 47}
